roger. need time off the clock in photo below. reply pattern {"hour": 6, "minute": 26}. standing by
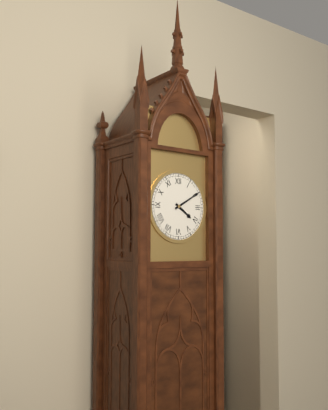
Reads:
{"hour": 4, "minute": 10}
